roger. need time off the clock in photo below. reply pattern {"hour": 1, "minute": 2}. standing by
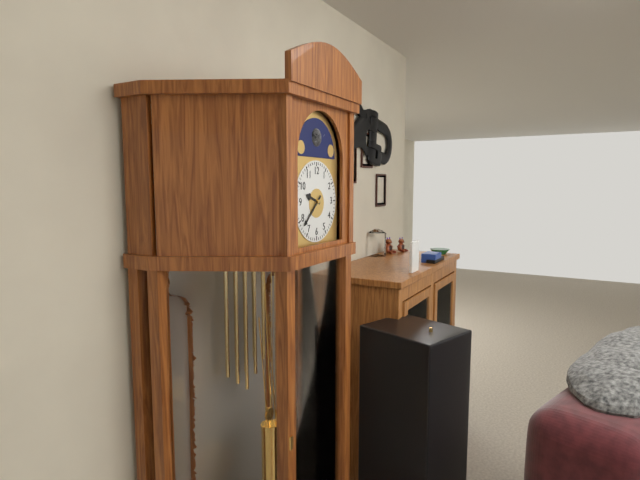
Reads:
{"hour": 9, "minute": 38}
